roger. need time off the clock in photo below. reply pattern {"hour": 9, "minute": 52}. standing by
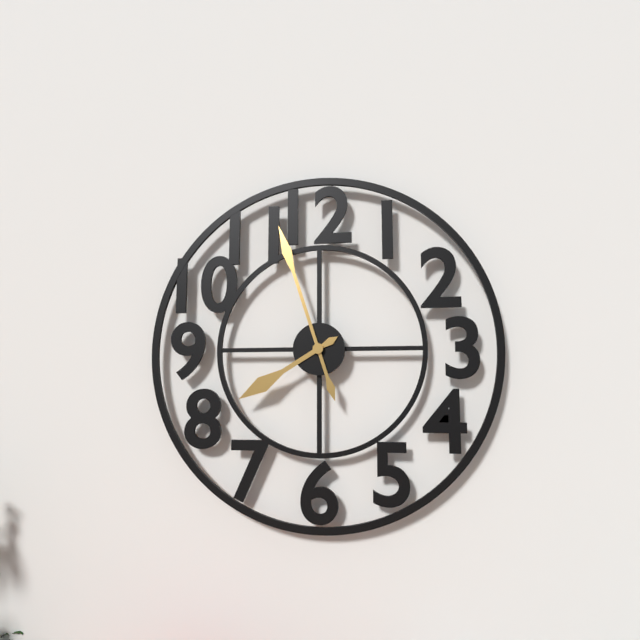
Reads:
{"hour": 7, "minute": 57}
